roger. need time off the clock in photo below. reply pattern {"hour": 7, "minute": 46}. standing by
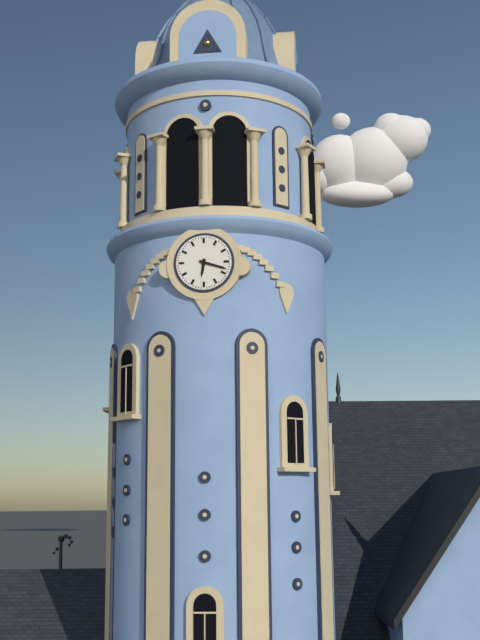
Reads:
{"hour": 6, "minute": 18}
